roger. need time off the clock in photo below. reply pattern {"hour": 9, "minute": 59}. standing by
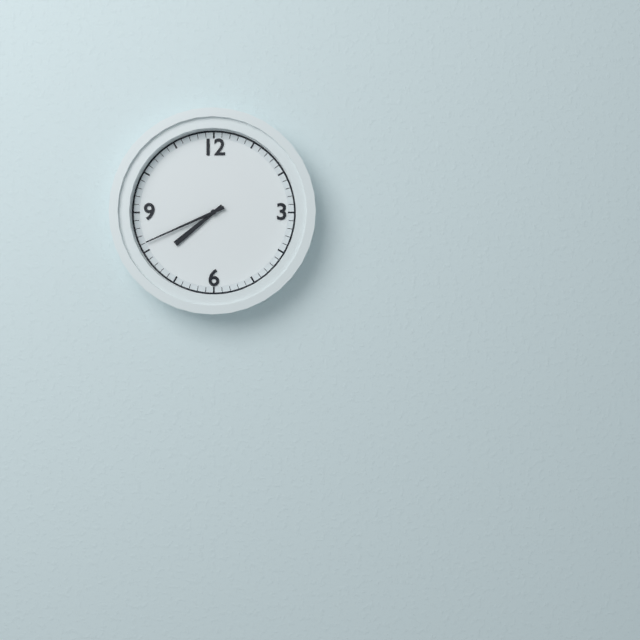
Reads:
{"hour": 7, "minute": 41}
